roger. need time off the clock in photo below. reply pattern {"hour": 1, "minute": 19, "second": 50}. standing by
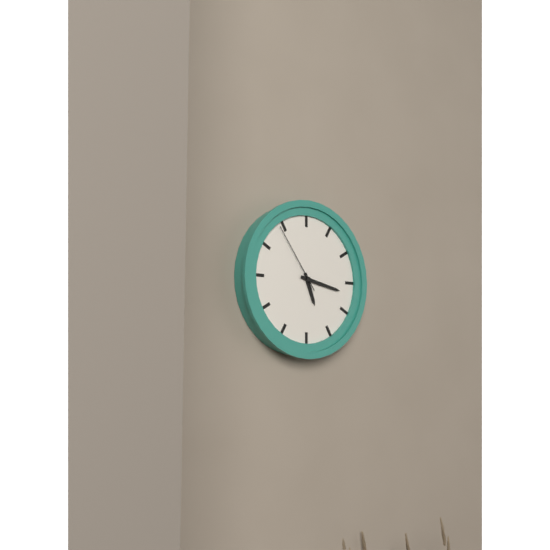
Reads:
{"hour": 5, "minute": 17, "second": 54}
